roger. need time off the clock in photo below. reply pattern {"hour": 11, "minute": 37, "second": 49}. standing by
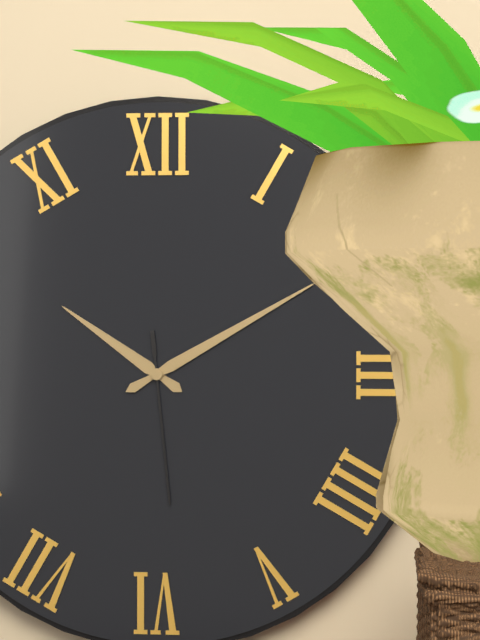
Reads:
{"hour": 10, "minute": 10, "second": 29}
